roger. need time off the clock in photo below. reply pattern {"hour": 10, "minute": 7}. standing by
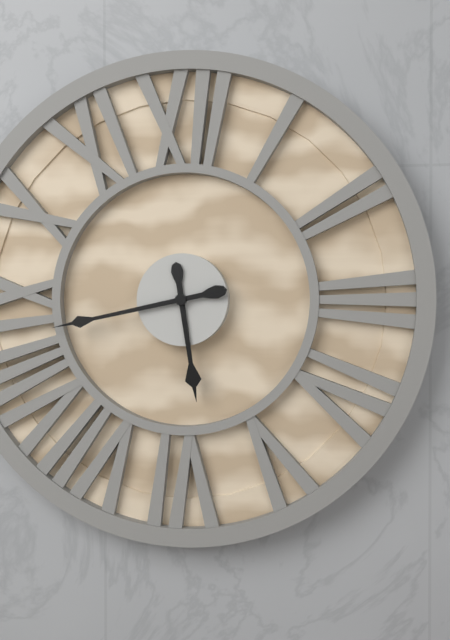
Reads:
{"hour": 5, "minute": 43}
